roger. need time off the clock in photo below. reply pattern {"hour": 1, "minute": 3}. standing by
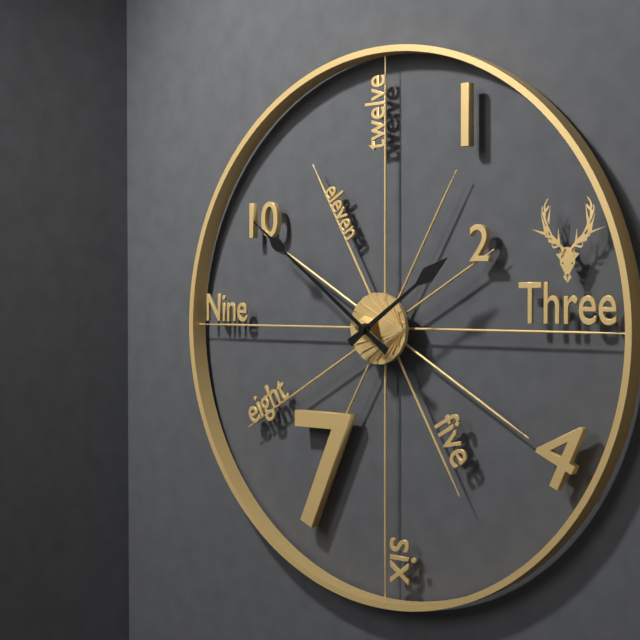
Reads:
{"hour": 1, "minute": 51}
